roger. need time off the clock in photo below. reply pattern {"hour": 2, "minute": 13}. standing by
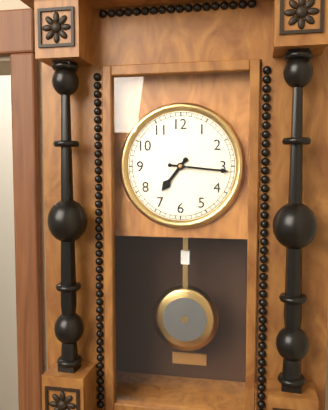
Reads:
{"hour": 7, "minute": 16}
